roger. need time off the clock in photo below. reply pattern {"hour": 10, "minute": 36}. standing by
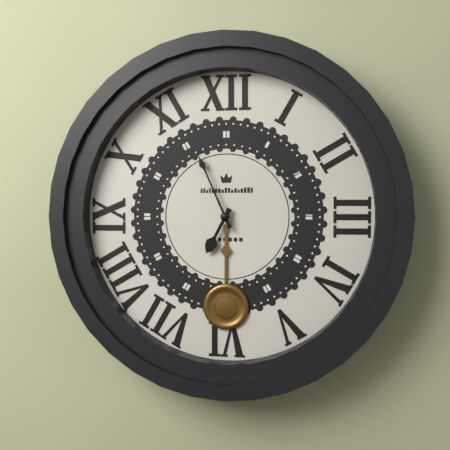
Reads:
{"hour": 6, "minute": 56}
